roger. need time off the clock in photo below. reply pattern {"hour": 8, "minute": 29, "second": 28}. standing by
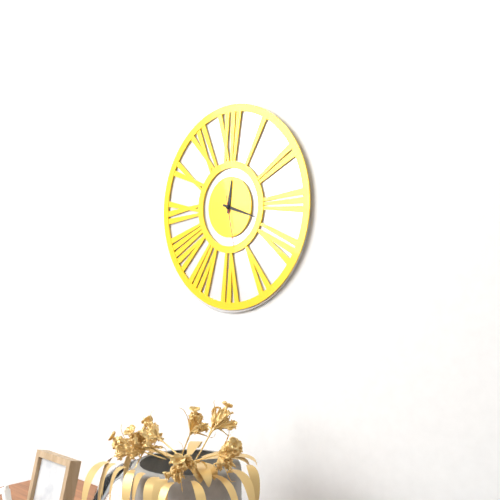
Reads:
{"hour": 12, "minute": 18, "second": 28}
